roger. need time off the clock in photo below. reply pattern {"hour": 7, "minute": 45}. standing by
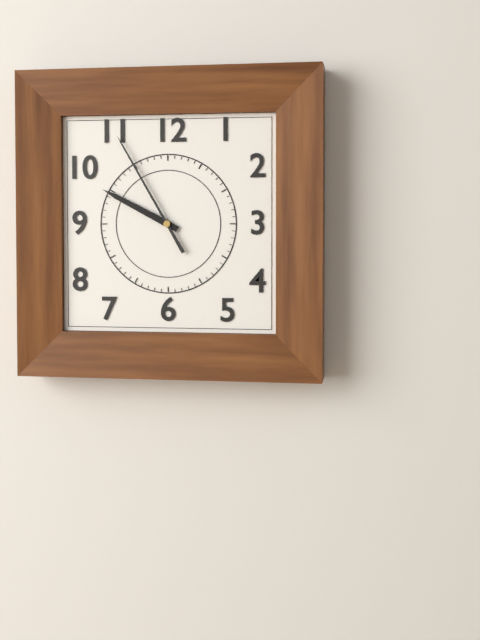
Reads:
{"hour": 9, "minute": 55}
